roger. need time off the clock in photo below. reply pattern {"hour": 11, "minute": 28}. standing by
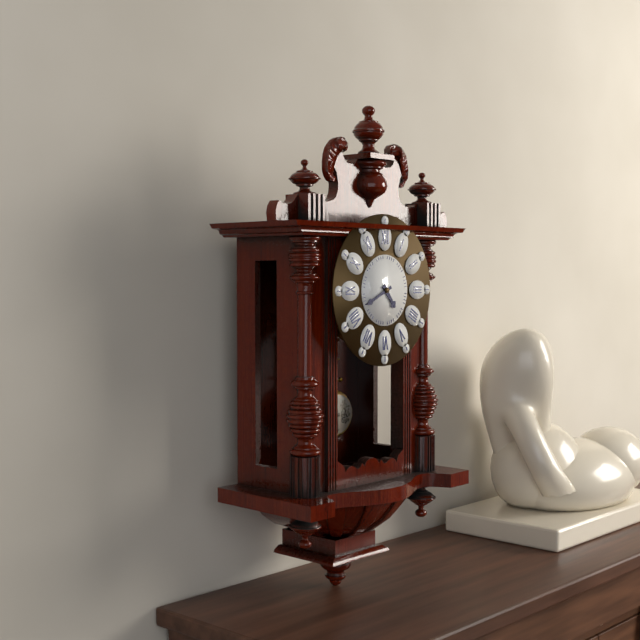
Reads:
{"hour": 4, "minute": 41}
